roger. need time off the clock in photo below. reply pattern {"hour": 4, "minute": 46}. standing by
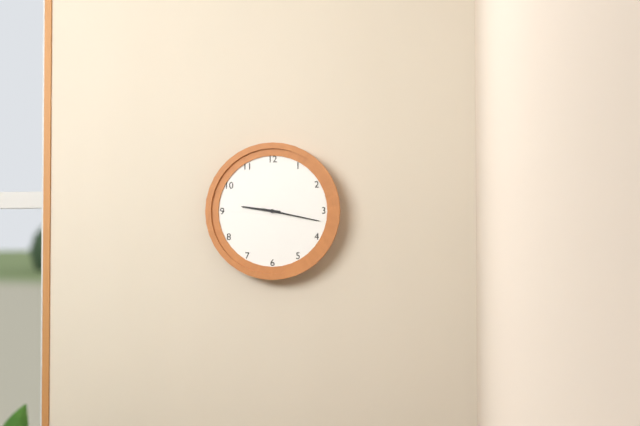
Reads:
{"hour": 9, "minute": 17}
